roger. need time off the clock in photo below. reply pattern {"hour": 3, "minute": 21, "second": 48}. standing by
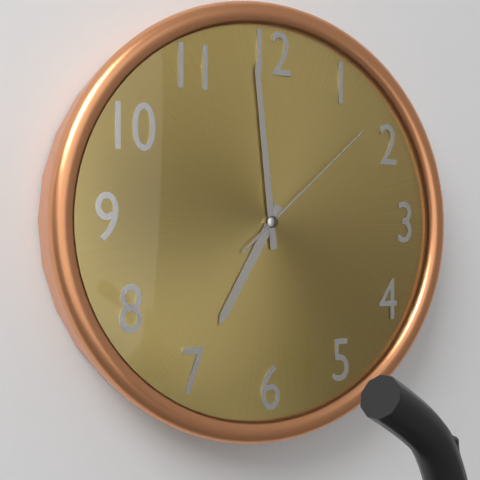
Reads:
{"hour": 6, "minute": 59, "second": 8}
